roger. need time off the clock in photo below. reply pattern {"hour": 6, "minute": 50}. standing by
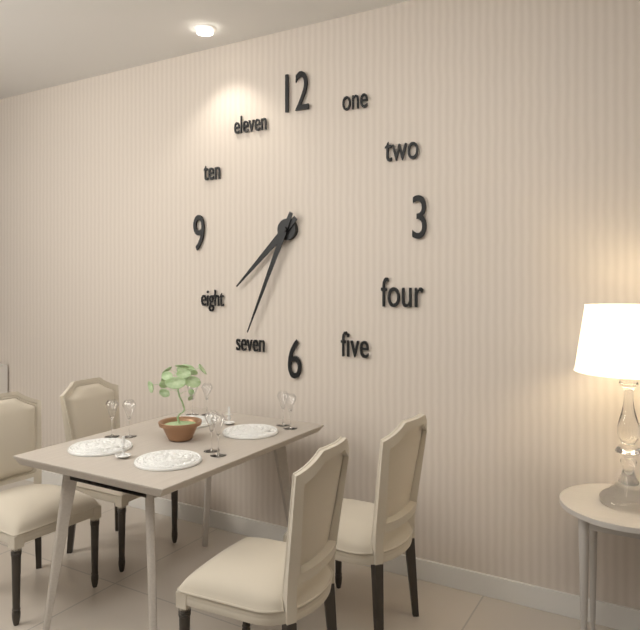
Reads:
{"hour": 7, "minute": 34}
